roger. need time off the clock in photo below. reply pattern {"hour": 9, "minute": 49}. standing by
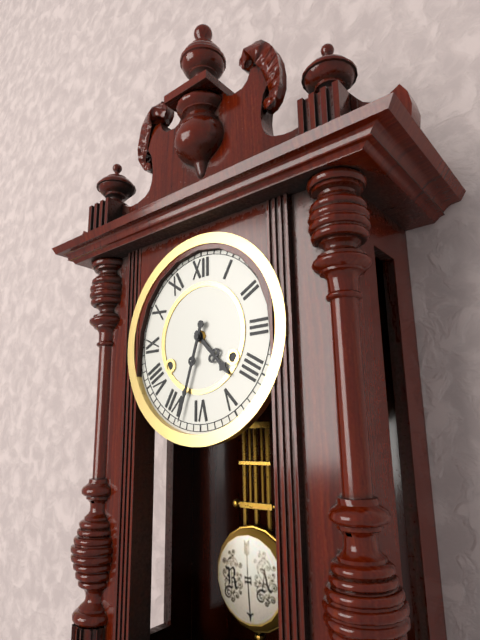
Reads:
{"hour": 4, "minute": 33}
